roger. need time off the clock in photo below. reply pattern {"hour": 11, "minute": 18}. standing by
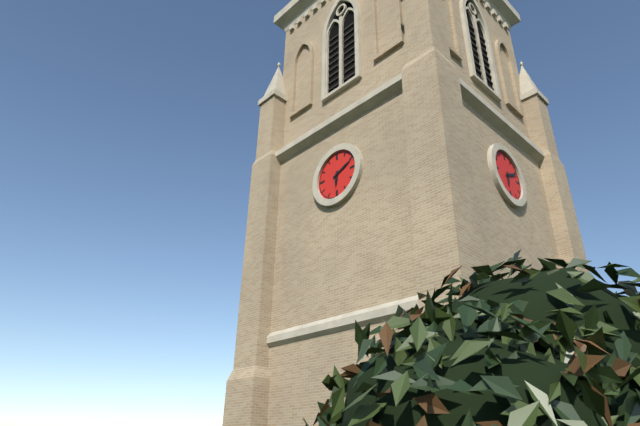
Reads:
{"hour": 6, "minute": 11}
